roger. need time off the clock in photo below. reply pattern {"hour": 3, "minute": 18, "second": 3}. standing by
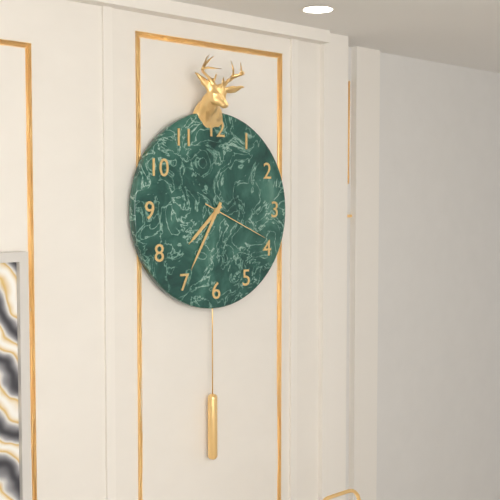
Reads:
{"hour": 7, "minute": 35, "second": 19}
